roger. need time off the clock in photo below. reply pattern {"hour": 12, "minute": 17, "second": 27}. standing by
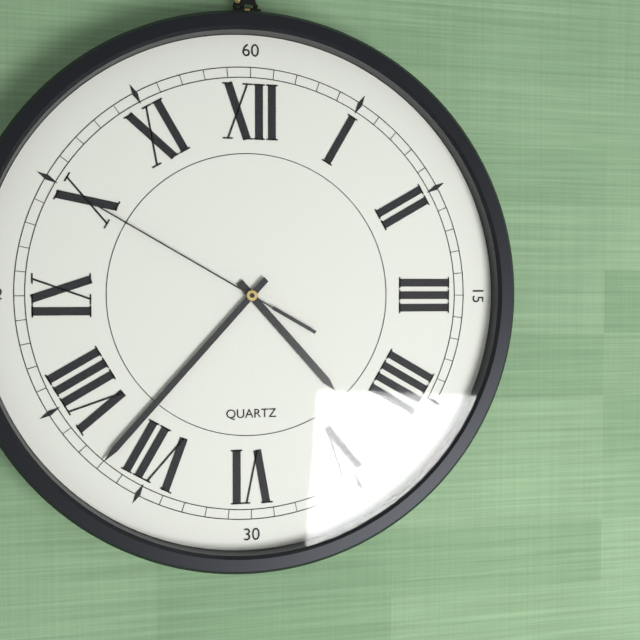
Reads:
{"hour": 4, "minute": 37, "second": 50}
